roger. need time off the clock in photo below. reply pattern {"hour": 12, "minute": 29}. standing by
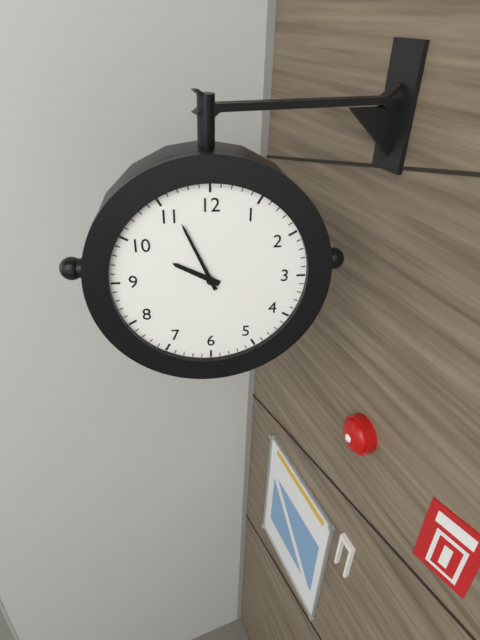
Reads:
{"hour": 9, "minute": 56}
